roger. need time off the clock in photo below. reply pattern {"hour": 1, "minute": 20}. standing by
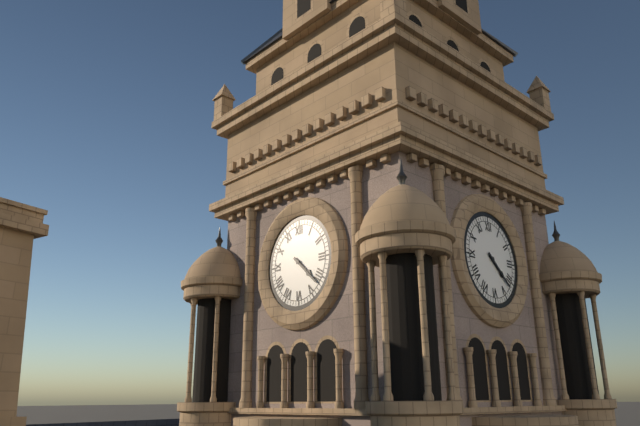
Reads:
{"hour": 4, "minute": 22}
